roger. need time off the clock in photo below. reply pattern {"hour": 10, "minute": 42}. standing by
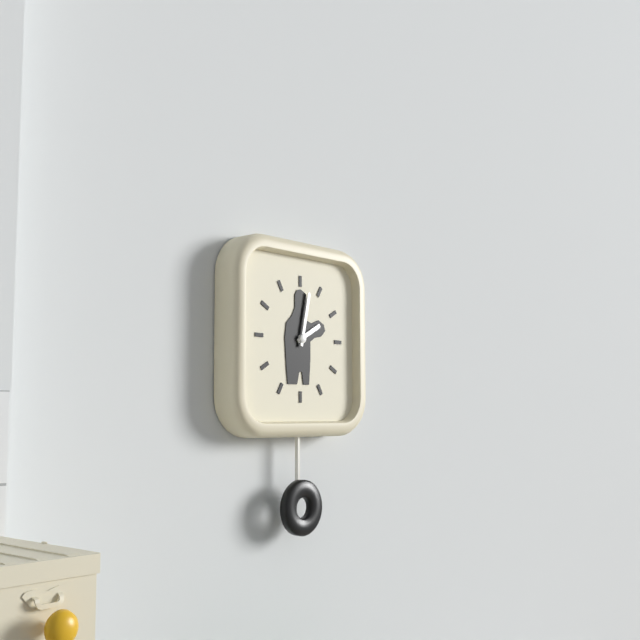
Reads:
{"hour": 2, "minute": 2}
